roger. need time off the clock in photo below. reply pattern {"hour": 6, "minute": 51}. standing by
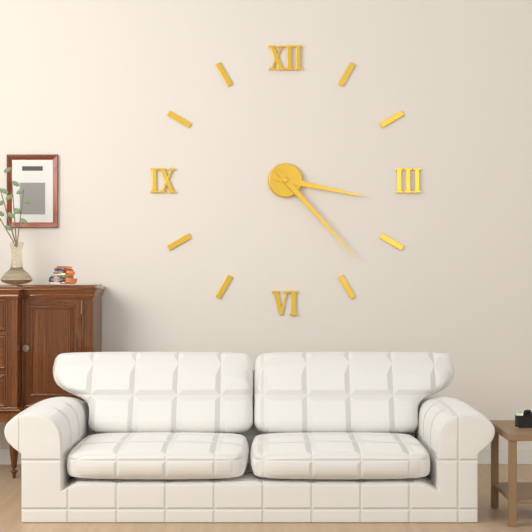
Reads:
{"hour": 3, "minute": 23}
